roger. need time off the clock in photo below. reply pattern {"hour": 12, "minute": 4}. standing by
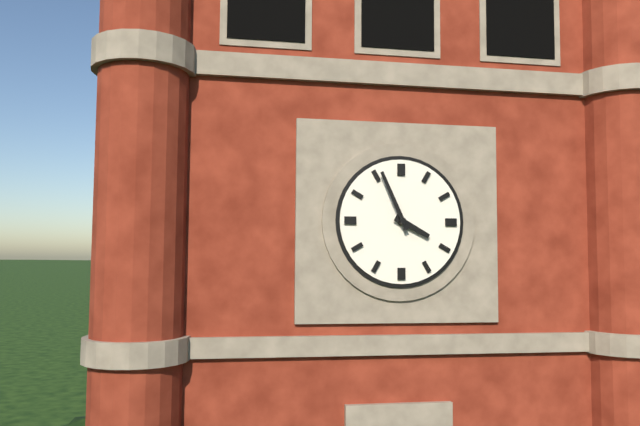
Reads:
{"hour": 3, "minute": 56}
